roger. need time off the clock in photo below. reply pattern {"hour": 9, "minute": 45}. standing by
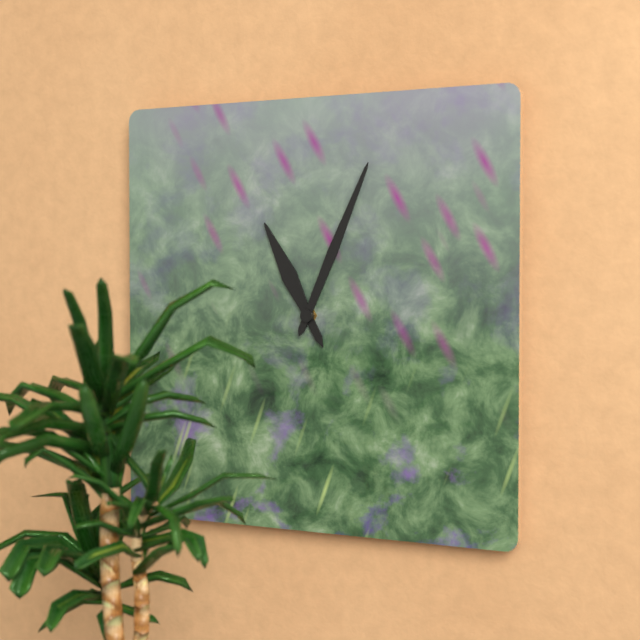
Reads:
{"hour": 11, "minute": 4}
